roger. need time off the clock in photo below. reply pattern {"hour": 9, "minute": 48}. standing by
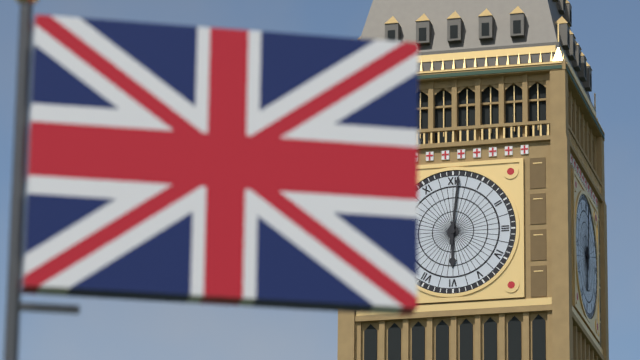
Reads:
{"hour": 6, "minute": 1}
